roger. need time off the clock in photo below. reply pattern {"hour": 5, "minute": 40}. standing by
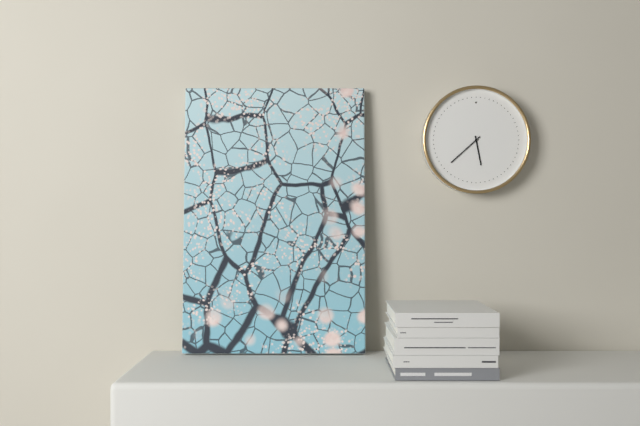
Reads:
{"hour": 5, "minute": 38}
